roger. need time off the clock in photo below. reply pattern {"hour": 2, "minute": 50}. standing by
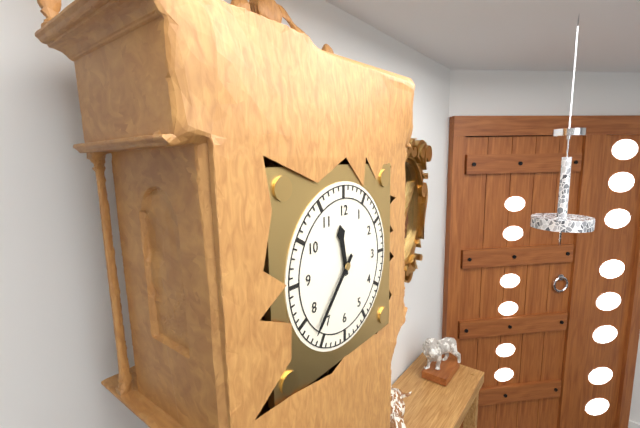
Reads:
{"hour": 11, "minute": 37}
